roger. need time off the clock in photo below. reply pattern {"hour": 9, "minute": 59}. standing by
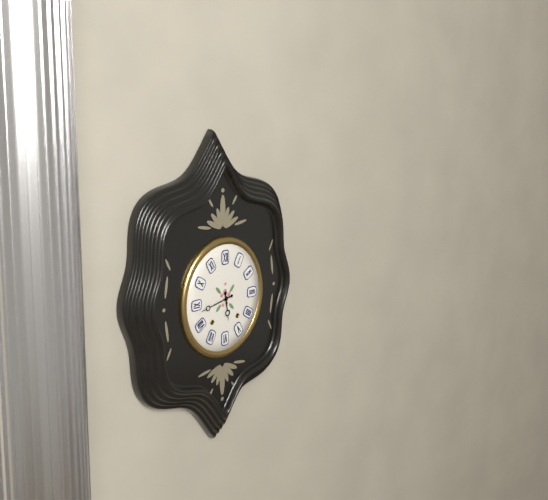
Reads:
{"hour": 5, "minute": 43}
